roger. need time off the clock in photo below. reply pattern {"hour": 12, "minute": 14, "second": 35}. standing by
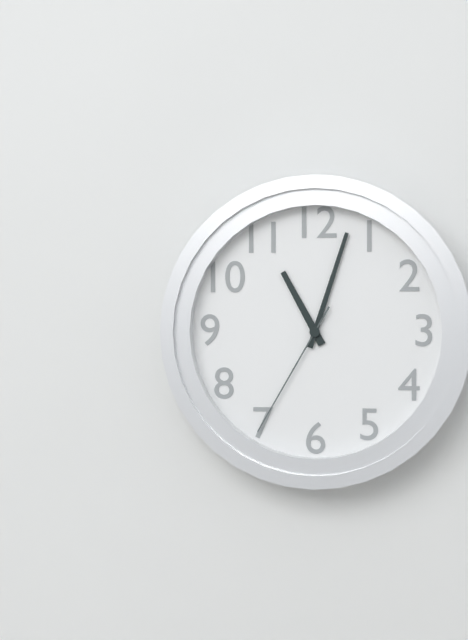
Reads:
{"hour": 11, "minute": 3, "second": 35}
